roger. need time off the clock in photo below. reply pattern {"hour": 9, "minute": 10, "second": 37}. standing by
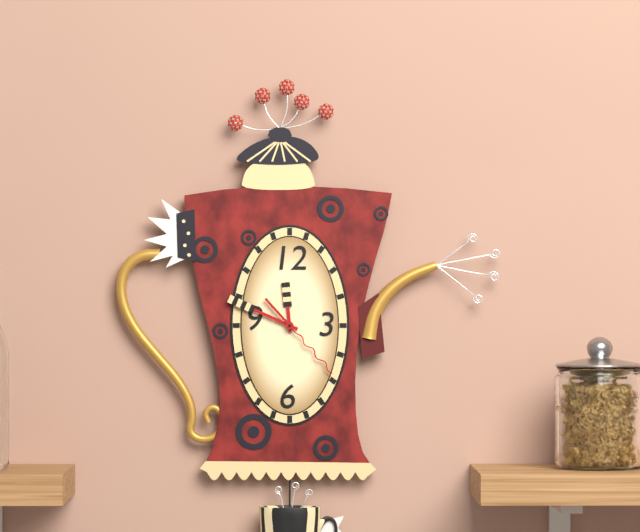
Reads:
{"hour": 11, "minute": 49, "second": 23}
